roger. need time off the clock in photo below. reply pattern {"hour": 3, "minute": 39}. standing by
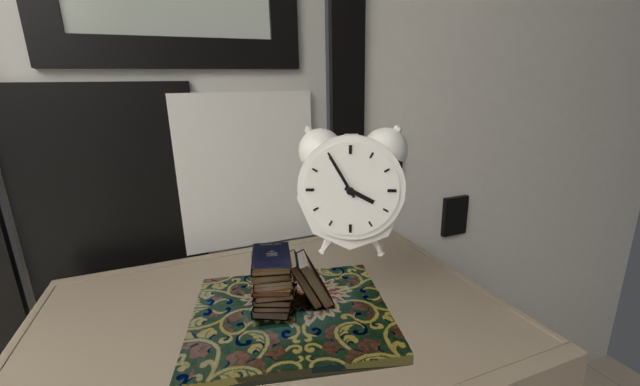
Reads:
{"hour": 3, "minute": 55}
